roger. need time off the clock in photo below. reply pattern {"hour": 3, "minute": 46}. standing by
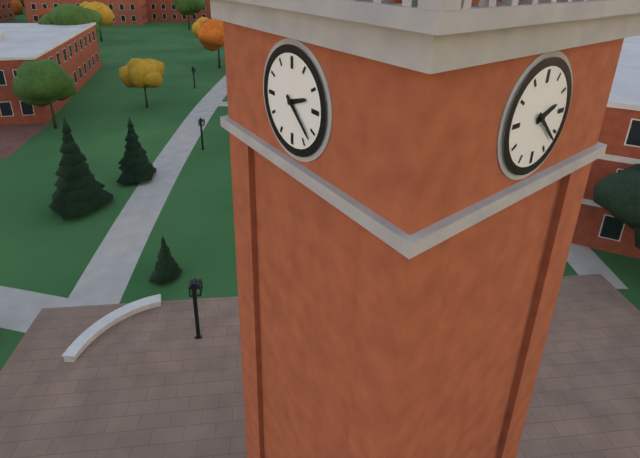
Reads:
{"hour": 2, "minute": 22}
